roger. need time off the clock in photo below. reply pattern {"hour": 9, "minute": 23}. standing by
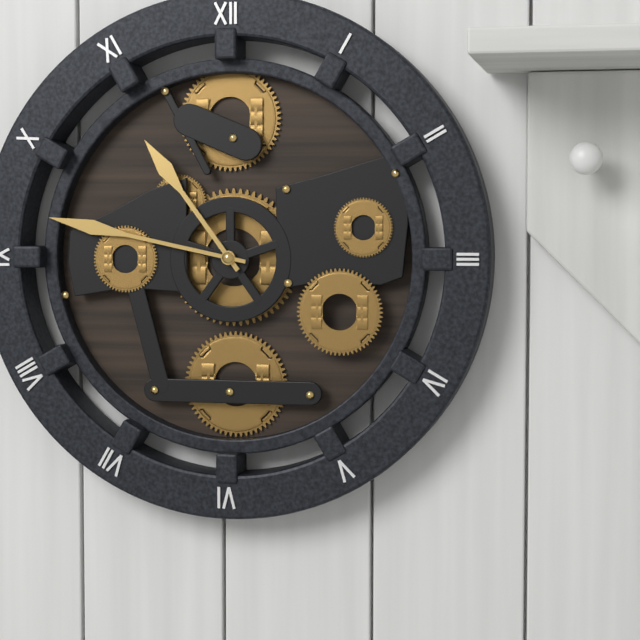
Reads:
{"hour": 10, "minute": 47}
